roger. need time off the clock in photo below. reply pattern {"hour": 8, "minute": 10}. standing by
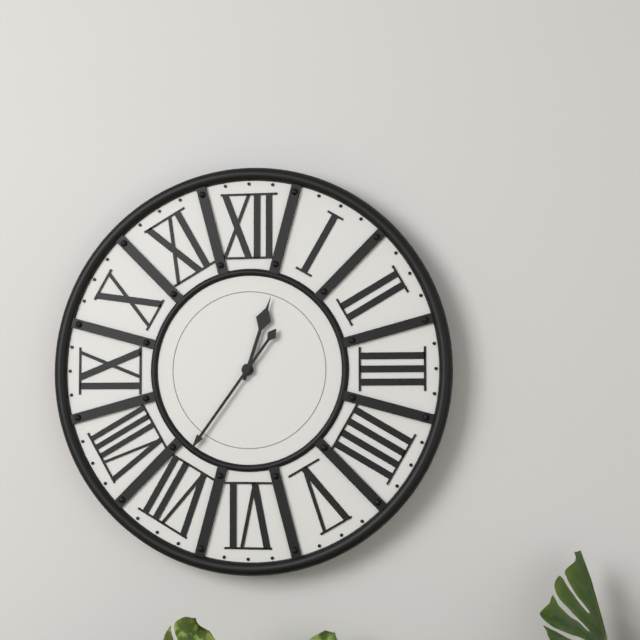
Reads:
{"hour": 12, "minute": 36}
